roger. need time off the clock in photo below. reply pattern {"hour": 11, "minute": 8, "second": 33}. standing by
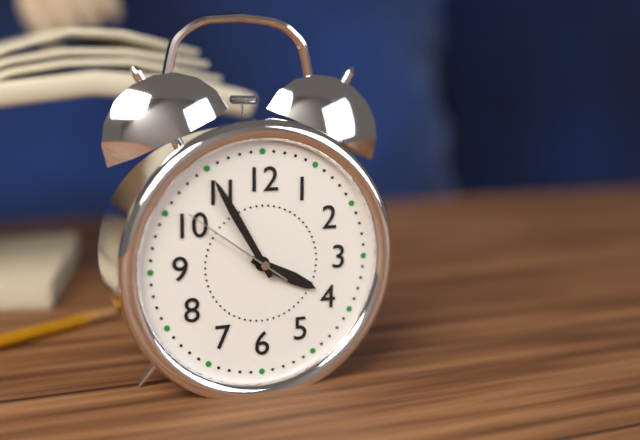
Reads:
{"hour": 3, "minute": 55, "second": 51}
